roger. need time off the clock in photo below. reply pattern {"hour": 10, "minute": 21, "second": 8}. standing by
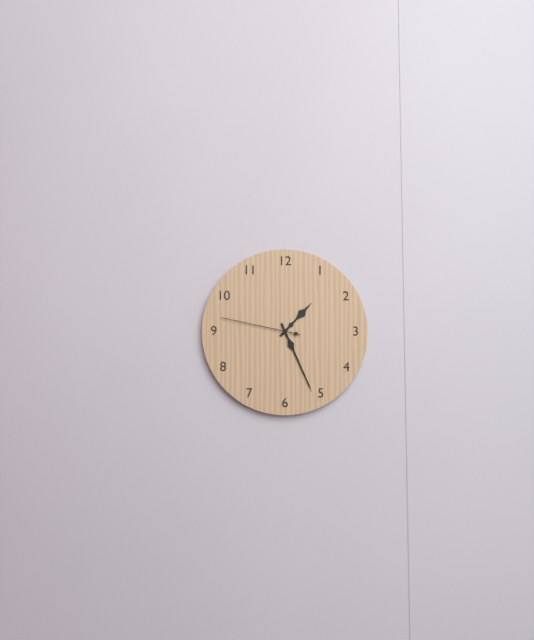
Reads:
{"hour": 1, "minute": 26, "second": 47}
